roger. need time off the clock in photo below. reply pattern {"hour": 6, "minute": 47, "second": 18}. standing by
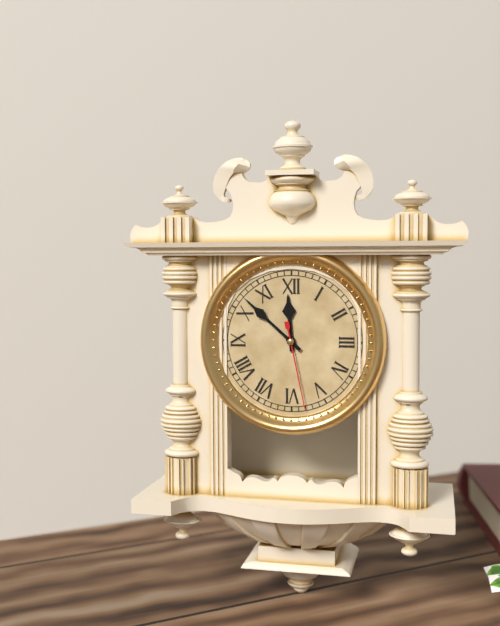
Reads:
{"hour": 11, "minute": 52, "second": 28}
